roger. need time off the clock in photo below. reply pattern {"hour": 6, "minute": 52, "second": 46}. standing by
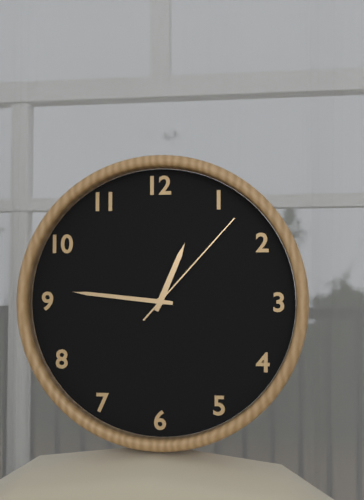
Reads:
{"hour": 12, "minute": 46, "second": 7}
